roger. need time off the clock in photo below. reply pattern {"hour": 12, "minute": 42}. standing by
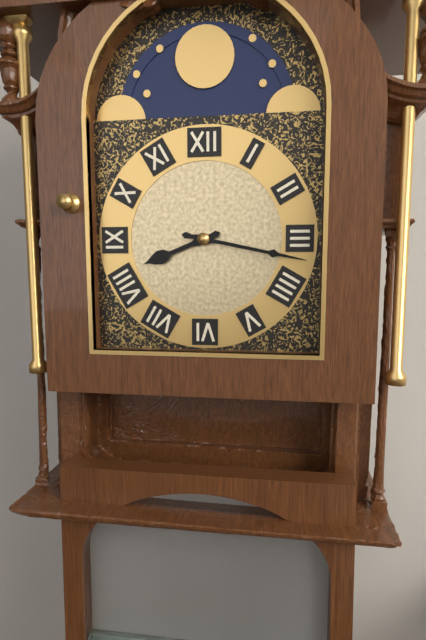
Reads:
{"hour": 8, "minute": 17}
